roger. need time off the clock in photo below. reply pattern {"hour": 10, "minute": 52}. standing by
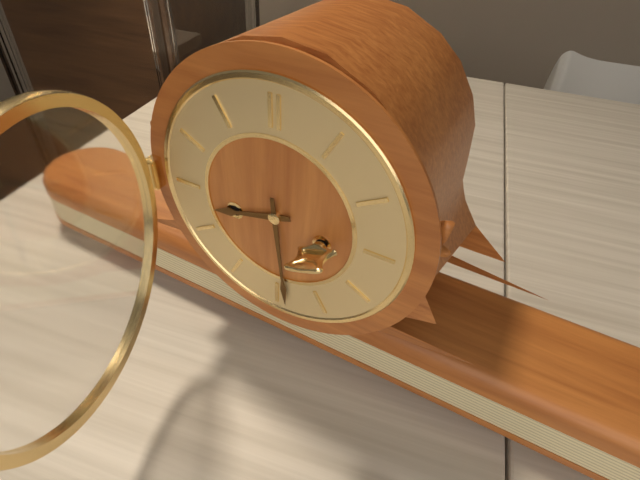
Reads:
{"hour": 8, "minute": 29}
